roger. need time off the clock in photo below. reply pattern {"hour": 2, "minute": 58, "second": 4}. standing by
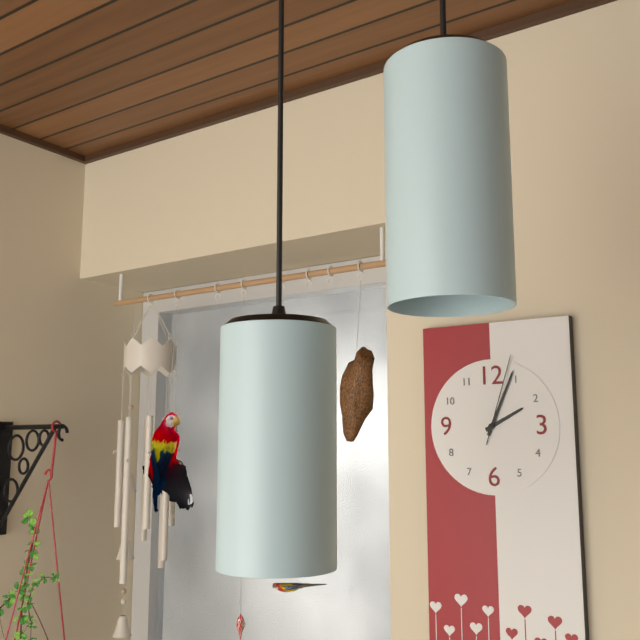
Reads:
{"hour": 2, "minute": 4, "second": 3}
